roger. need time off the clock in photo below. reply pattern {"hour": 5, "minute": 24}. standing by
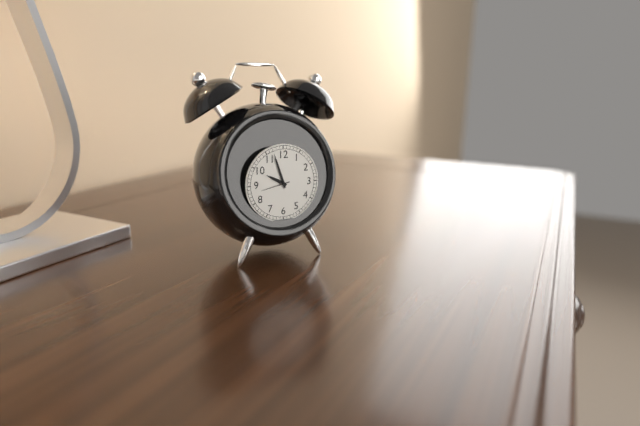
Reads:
{"hour": 9, "minute": 57}
